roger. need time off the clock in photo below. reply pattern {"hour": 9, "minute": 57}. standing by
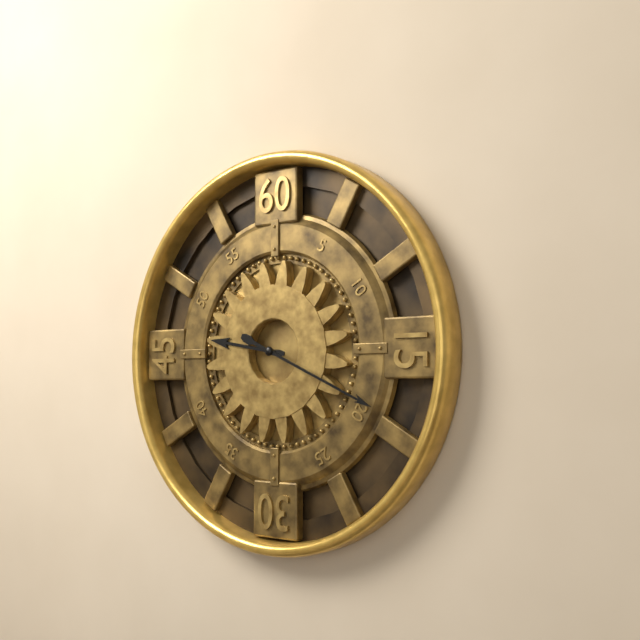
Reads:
{"hour": 9, "minute": 19}
